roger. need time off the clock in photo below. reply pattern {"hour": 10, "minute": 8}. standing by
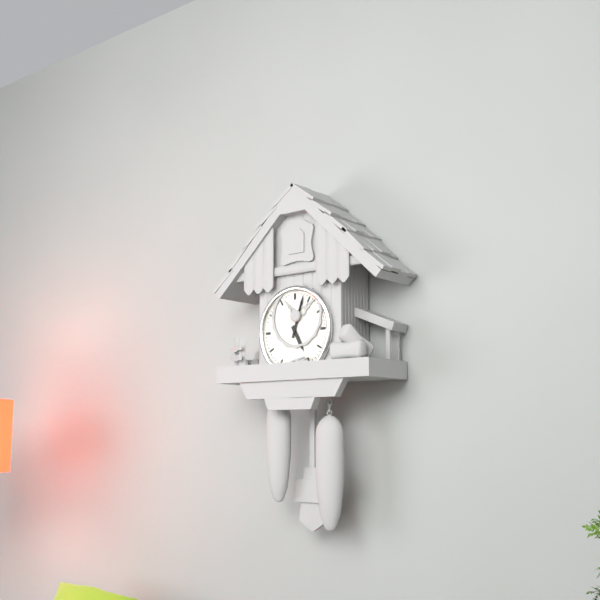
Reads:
{"hour": 5, "minute": 3}
